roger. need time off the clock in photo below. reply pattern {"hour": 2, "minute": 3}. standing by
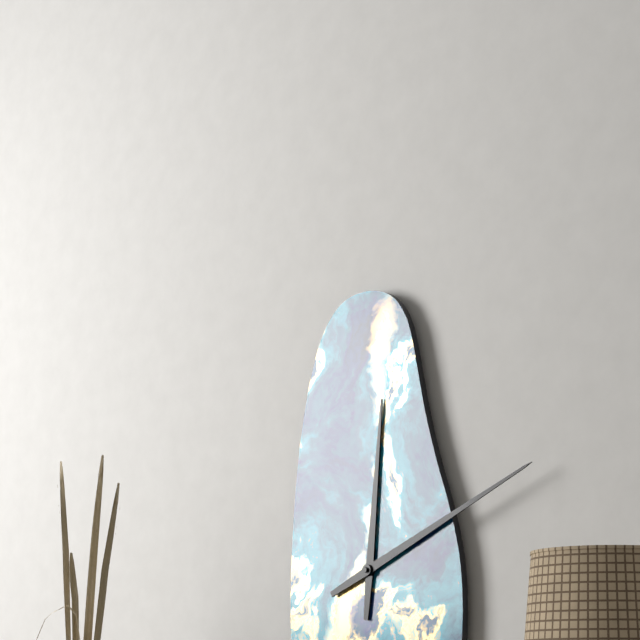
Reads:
{"hour": 12, "minute": 11}
